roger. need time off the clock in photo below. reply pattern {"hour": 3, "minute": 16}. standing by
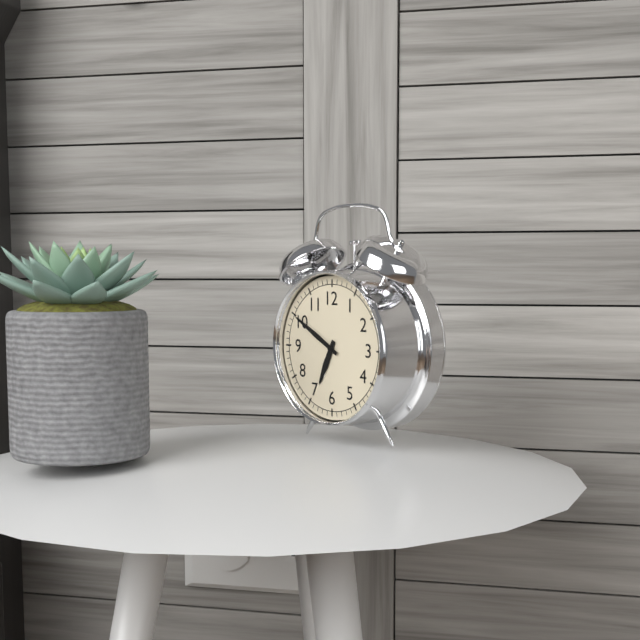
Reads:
{"hour": 6, "minute": 50}
